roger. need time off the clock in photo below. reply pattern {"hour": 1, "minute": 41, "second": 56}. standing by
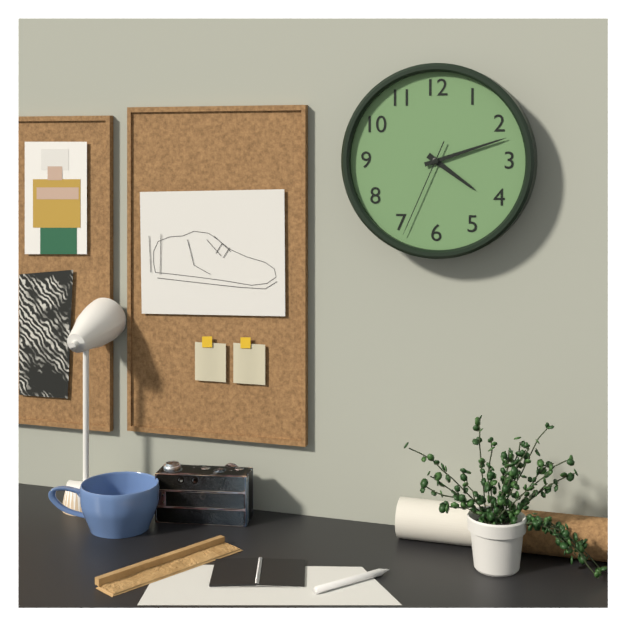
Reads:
{"hour": 4, "minute": 12, "second": 34}
